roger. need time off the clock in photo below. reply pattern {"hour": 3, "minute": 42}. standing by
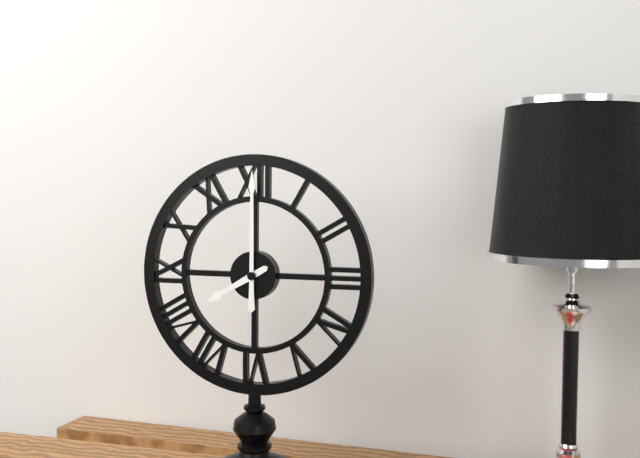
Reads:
{"hour": 8, "minute": 0}
